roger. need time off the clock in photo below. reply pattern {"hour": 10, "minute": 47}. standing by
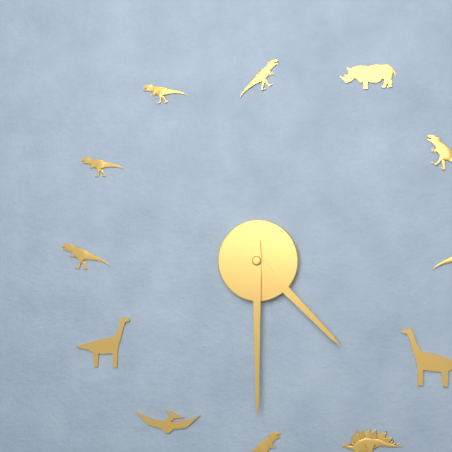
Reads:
{"hour": 4, "minute": 30}
